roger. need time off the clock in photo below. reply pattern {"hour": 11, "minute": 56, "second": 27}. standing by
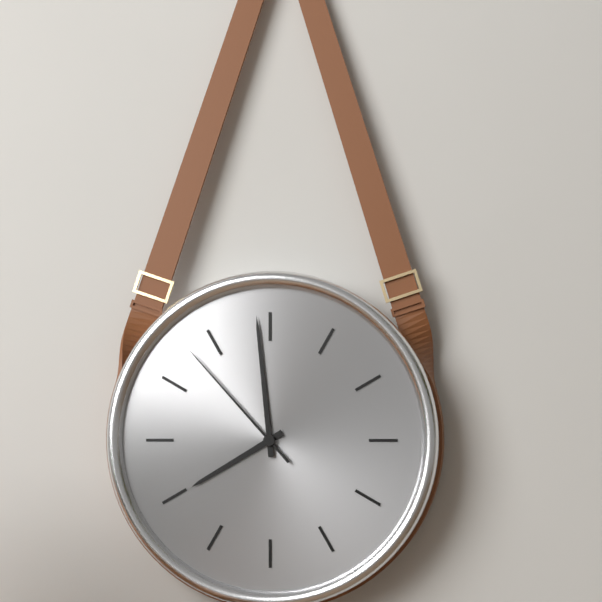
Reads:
{"hour": 7, "minute": 59, "second": 53}
